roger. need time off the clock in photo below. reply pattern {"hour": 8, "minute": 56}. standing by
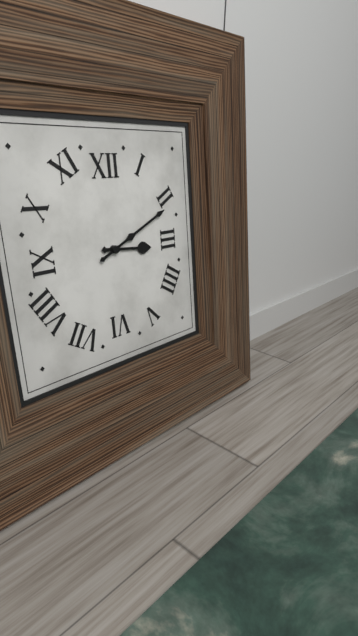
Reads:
{"hour": 3, "minute": 11}
